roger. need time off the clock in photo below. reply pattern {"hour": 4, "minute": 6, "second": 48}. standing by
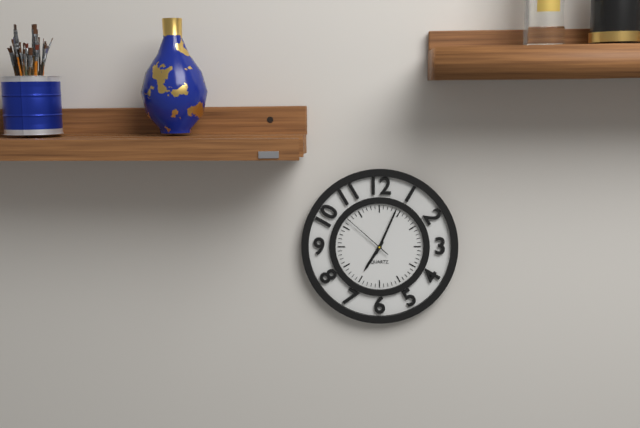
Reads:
{"hour": 7, "minute": 4, "second": 52}
